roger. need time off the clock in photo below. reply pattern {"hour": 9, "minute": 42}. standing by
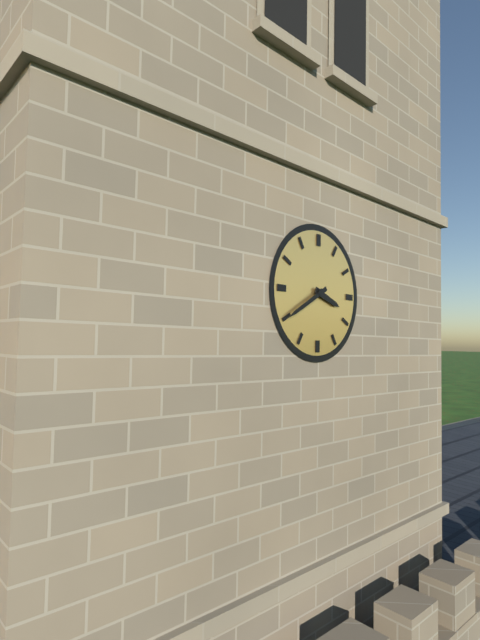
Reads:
{"hour": 3, "minute": 40}
